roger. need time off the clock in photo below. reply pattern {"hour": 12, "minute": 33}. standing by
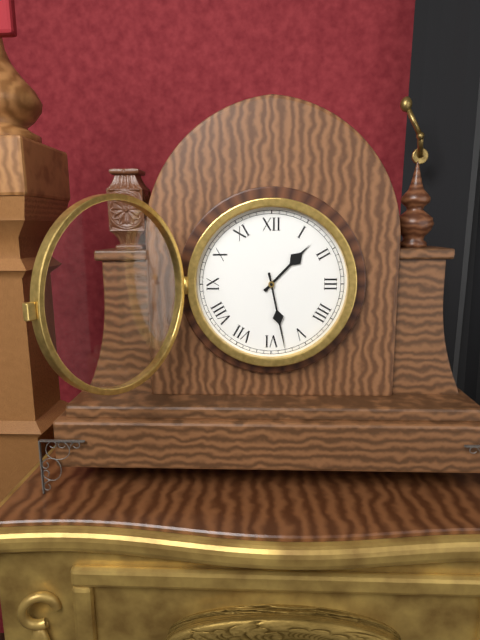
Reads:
{"hour": 1, "minute": 28}
